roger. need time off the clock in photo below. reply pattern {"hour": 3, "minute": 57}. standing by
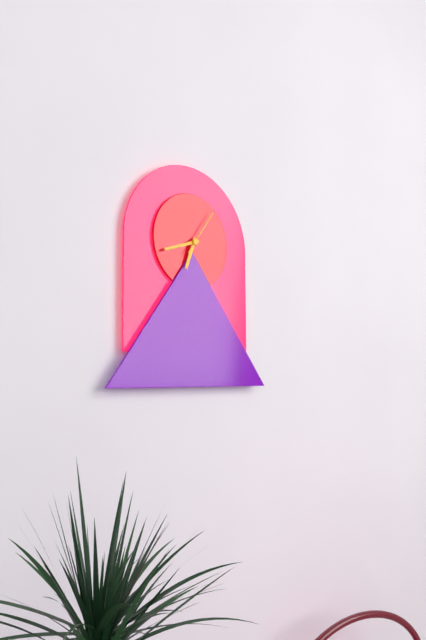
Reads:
{"hour": 6, "minute": 42}
